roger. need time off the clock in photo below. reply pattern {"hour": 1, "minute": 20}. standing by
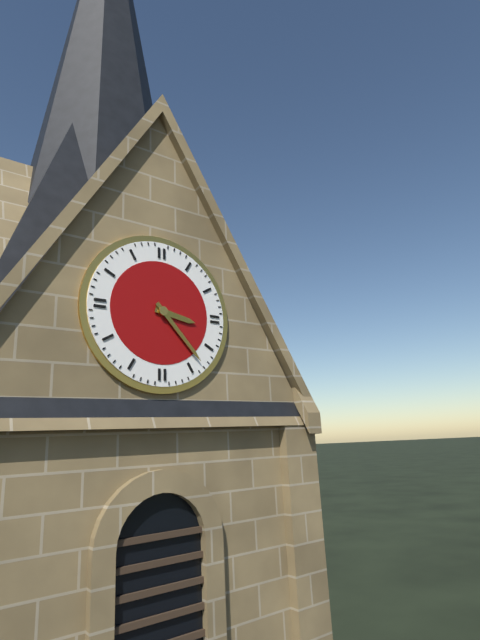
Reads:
{"hour": 3, "minute": 23}
